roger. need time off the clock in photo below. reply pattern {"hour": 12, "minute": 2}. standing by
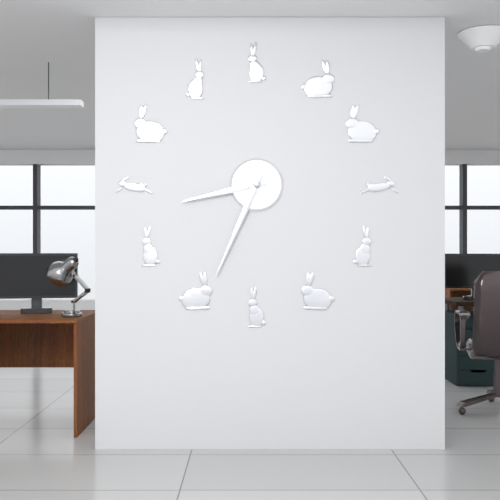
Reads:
{"hour": 8, "minute": 34}
